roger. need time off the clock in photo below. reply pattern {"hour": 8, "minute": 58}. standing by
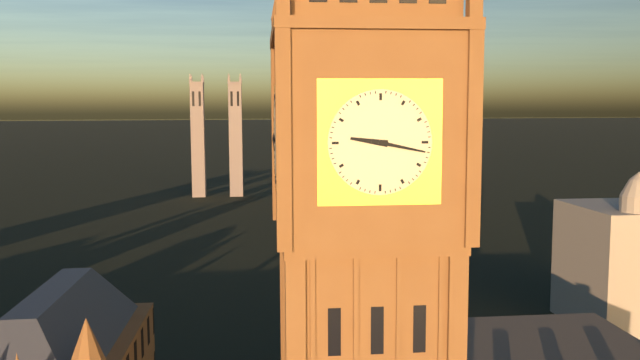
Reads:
{"hour": 9, "minute": 17}
